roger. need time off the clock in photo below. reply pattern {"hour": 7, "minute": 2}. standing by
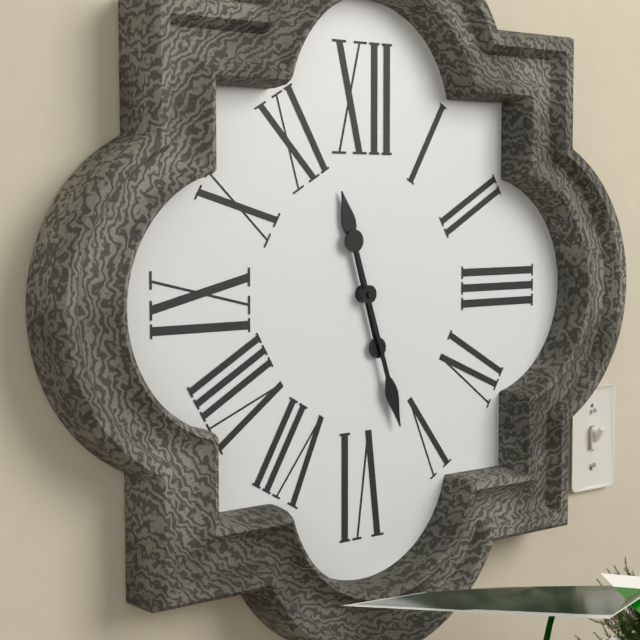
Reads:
{"hour": 11, "minute": 27}
